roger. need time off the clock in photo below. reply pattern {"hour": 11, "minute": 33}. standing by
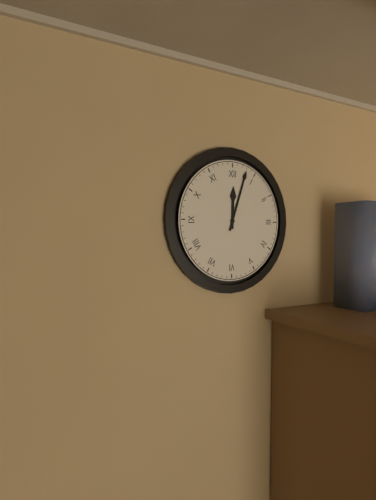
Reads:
{"hour": 12, "minute": 3}
